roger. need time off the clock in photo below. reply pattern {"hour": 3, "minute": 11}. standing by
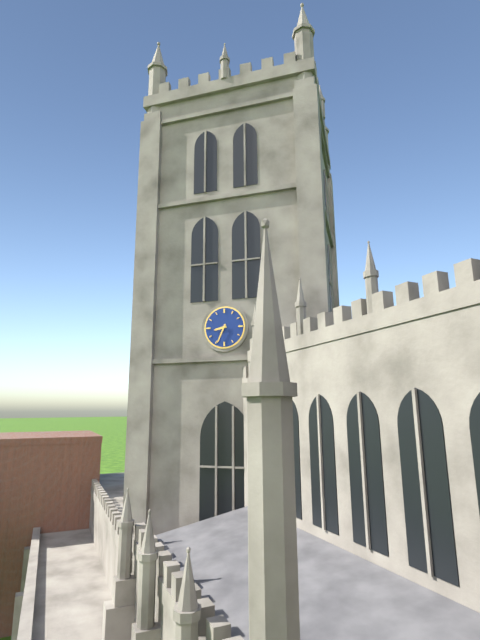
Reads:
{"hour": 8, "minute": 34}
